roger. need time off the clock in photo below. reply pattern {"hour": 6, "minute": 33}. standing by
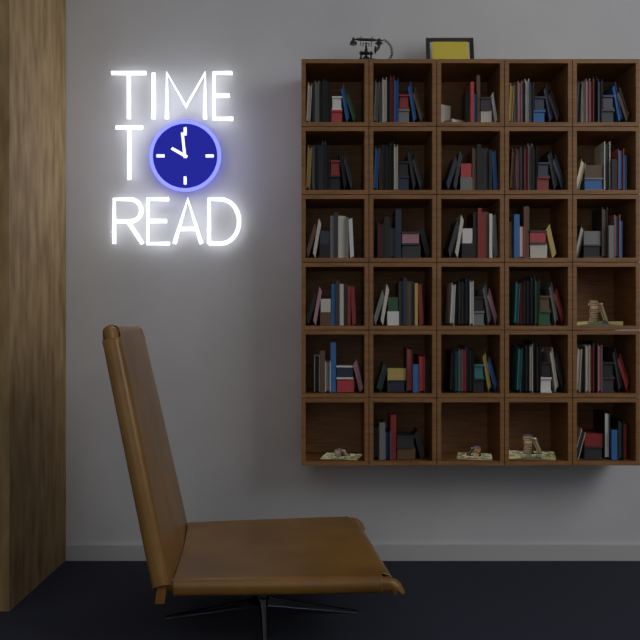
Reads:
{"hour": 9, "minute": 59}
